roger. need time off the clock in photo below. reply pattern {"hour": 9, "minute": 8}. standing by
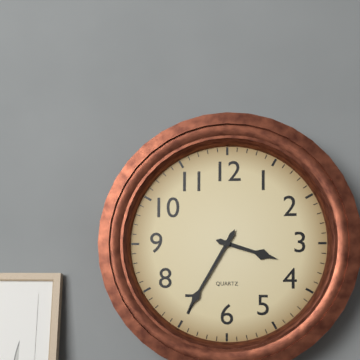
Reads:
{"hour": 3, "minute": 35}
